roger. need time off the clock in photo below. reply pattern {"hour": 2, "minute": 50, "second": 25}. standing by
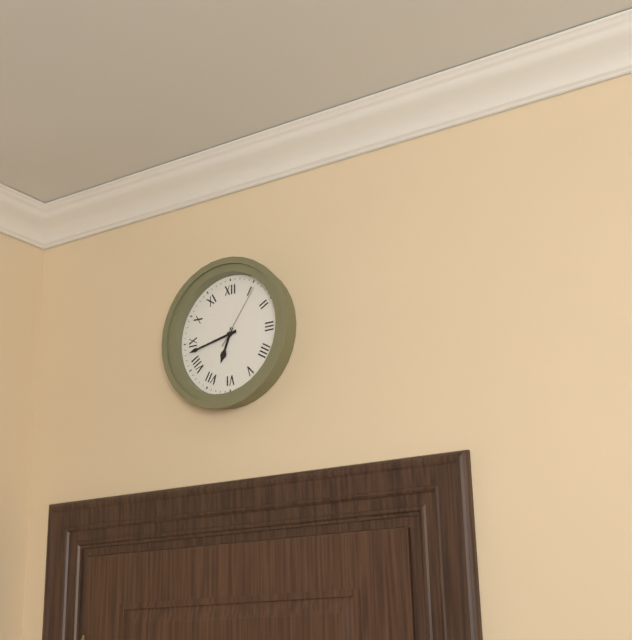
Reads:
{"hour": 6, "minute": 43, "second": 6}
